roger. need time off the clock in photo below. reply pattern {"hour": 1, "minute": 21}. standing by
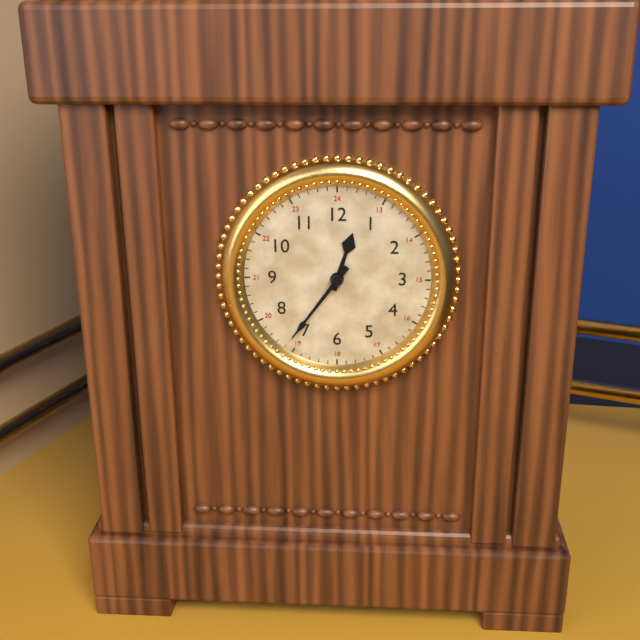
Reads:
{"hour": 12, "minute": 36}
